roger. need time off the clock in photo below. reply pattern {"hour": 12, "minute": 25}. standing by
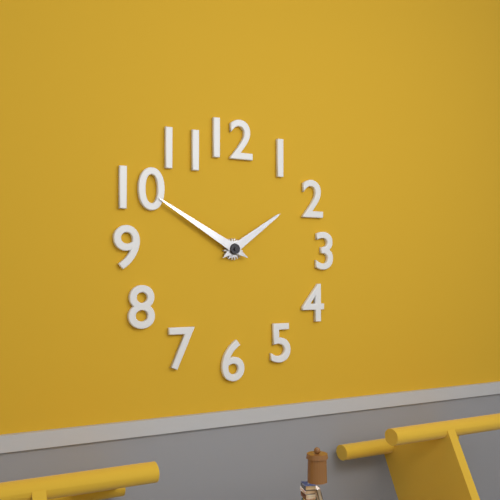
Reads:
{"hour": 1, "minute": 50}
